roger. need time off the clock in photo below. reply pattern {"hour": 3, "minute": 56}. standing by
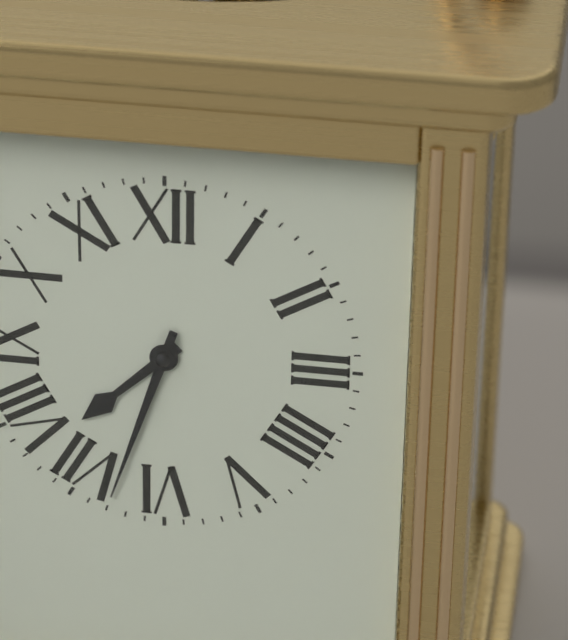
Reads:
{"hour": 7, "minute": 33}
